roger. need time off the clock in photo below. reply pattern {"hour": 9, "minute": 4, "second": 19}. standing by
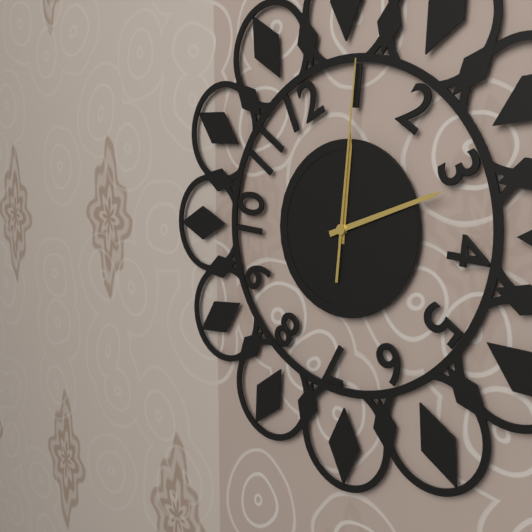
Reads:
{"hour": 12, "minute": 12, "second": 1}
